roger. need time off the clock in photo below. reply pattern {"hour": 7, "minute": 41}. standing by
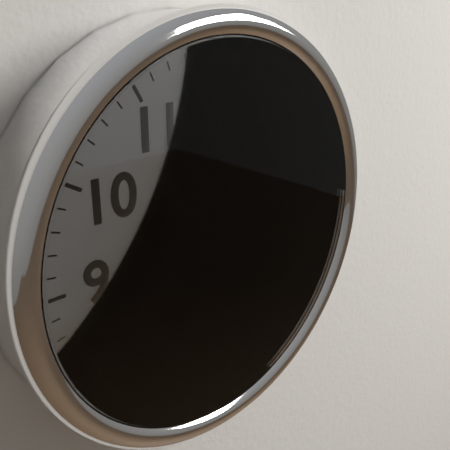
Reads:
{"hour": 6, "minute": 16}
